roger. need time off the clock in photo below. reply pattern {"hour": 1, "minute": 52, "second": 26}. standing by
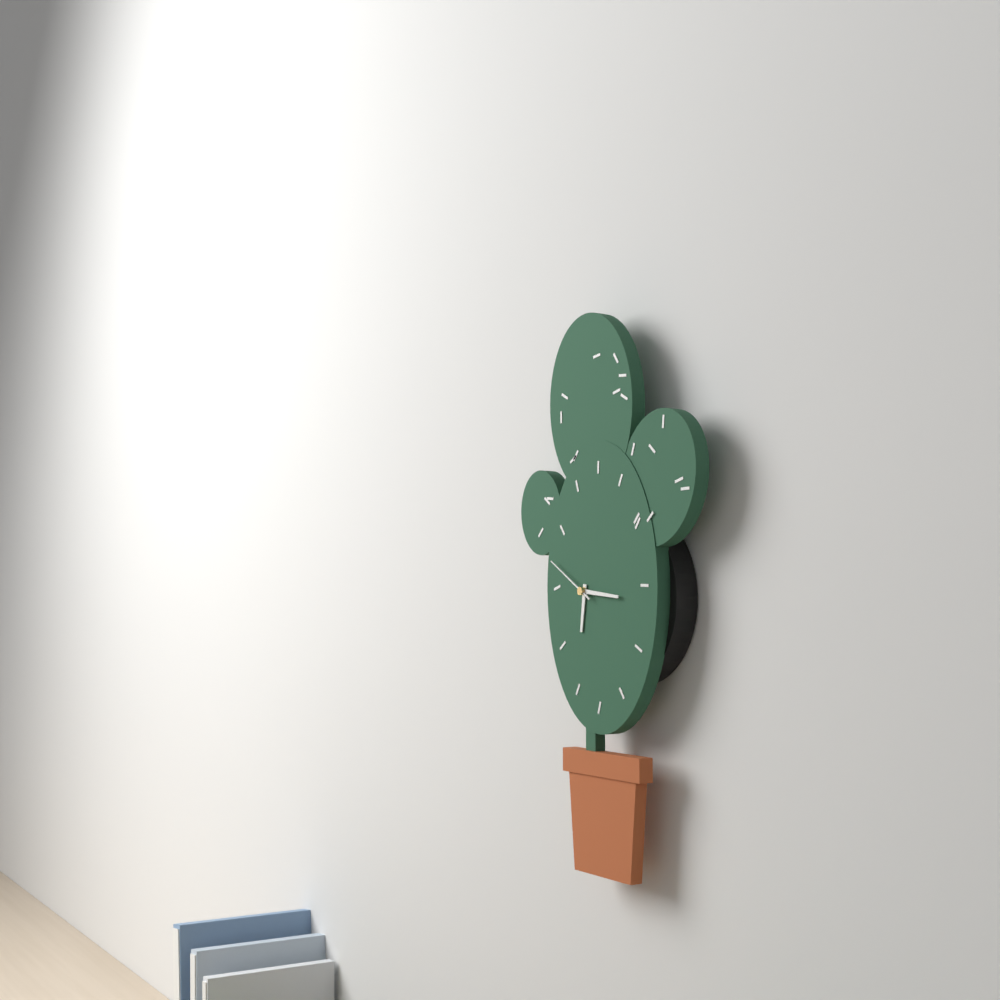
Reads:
{"hour": 6, "minute": 16, "second": 50}
